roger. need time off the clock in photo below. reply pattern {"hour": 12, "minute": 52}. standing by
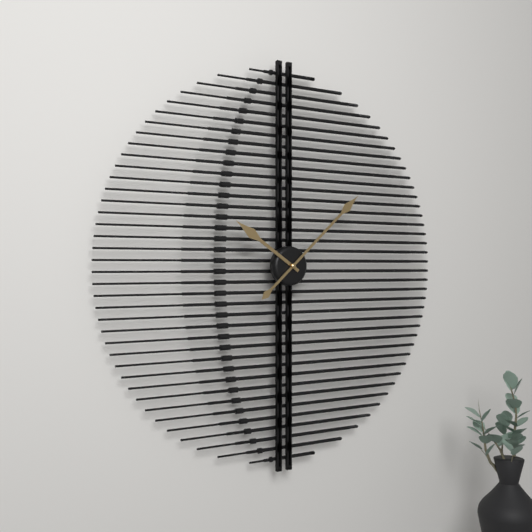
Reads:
{"hour": 10, "minute": 8}
